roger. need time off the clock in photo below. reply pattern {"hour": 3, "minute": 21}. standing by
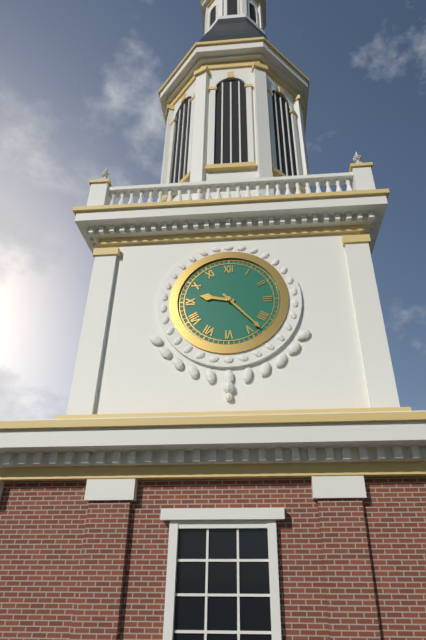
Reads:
{"hour": 9, "minute": 23}
